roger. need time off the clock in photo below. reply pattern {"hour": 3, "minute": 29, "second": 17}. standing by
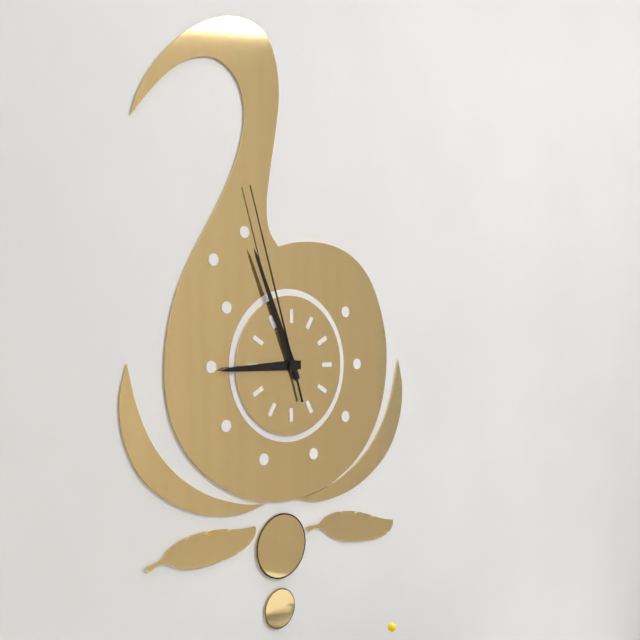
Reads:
{"hour": 8, "minute": 56, "second": 57}
